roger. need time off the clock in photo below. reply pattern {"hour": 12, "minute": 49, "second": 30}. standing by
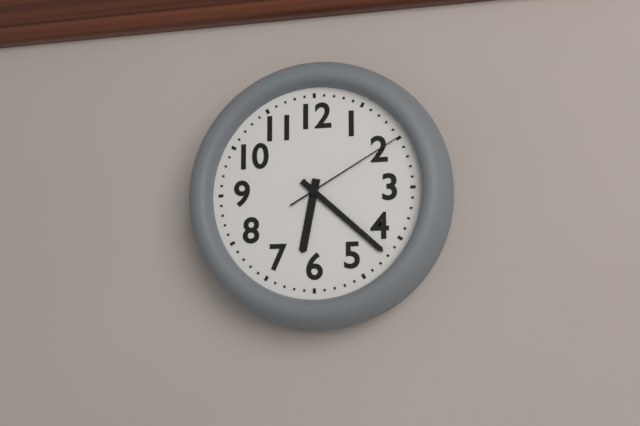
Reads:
{"hour": 6, "minute": 22, "second": 10}
